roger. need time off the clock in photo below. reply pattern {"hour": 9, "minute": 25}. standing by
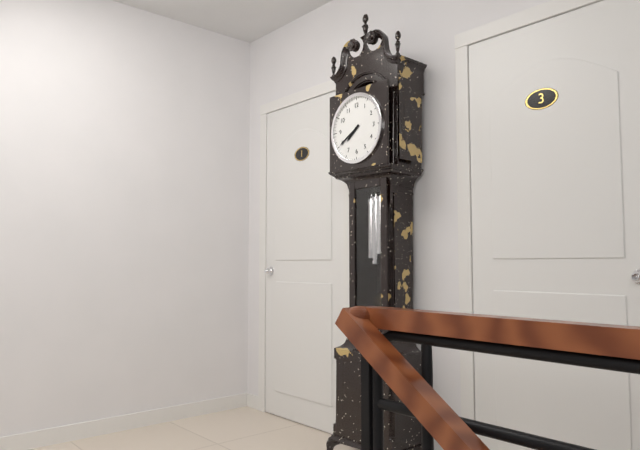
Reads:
{"hour": 7, "minute": 40}
